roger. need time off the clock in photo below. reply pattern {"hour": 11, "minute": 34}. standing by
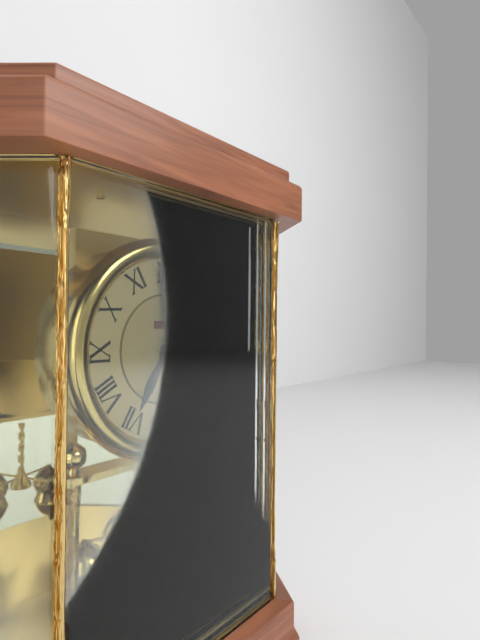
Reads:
{"hour": 6, "minute": 59}
